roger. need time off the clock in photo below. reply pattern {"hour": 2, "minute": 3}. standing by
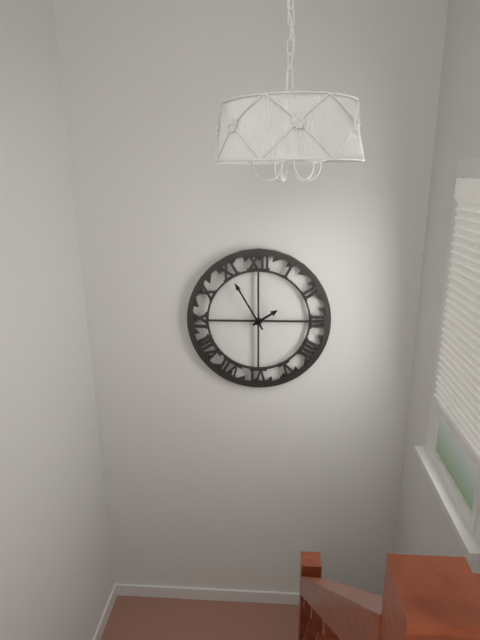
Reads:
{"hour": 1, "minute": 55}
